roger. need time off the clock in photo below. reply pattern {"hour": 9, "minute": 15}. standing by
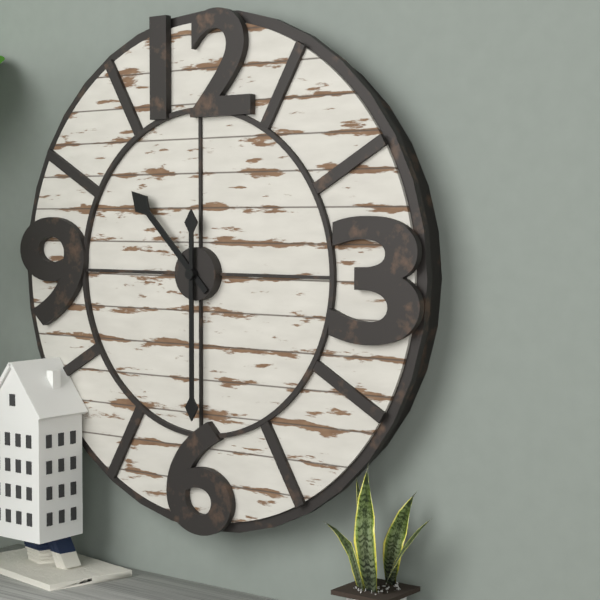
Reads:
{"hour": 10, "minute": 30}
